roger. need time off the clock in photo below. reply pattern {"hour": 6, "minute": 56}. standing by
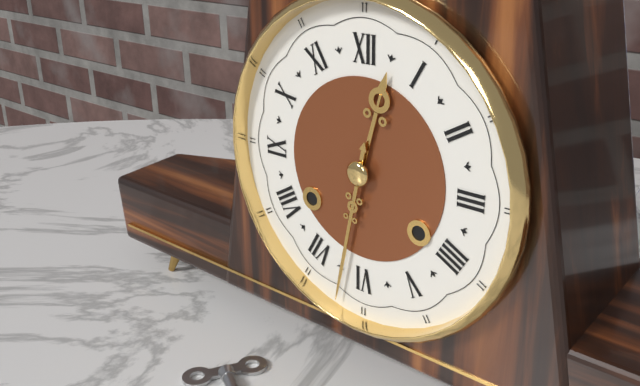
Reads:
{"hour": 12, "minute": 32}
